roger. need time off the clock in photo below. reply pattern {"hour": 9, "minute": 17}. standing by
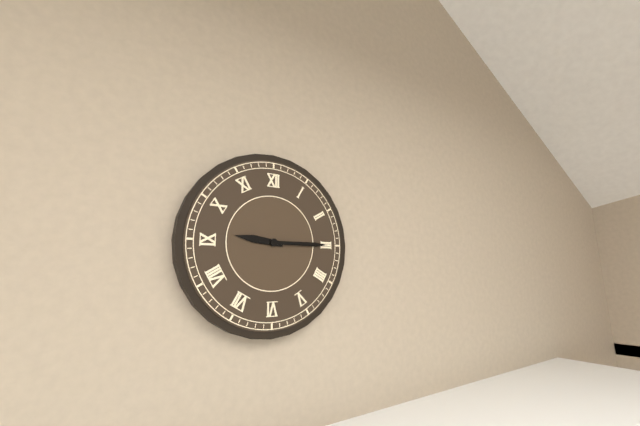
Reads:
{"hour": 9, "minute": 15}
